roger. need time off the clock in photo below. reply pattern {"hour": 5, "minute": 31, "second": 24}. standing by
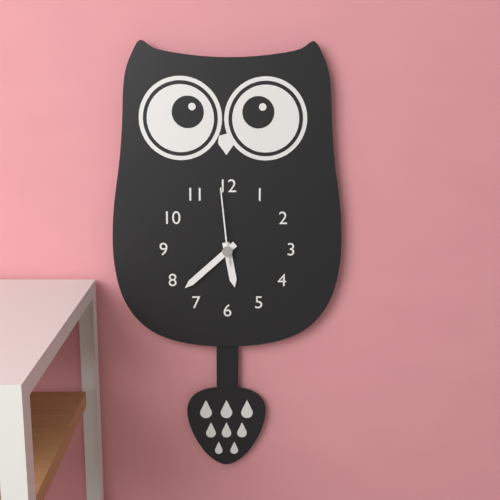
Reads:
{"hour": 5, "minute": 38, "second": 59}
